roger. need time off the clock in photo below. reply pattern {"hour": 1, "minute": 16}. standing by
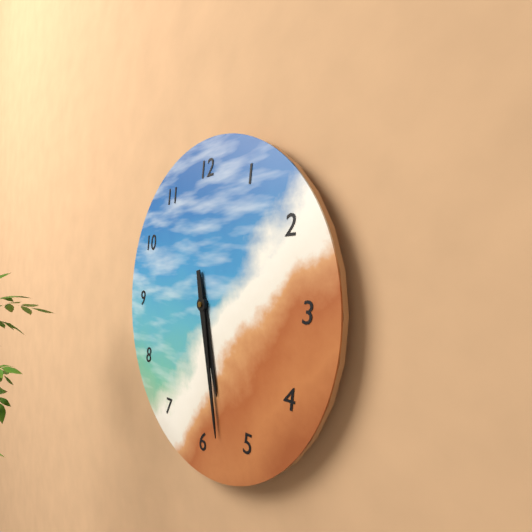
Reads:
{"hour": 5, "minute": 28}
